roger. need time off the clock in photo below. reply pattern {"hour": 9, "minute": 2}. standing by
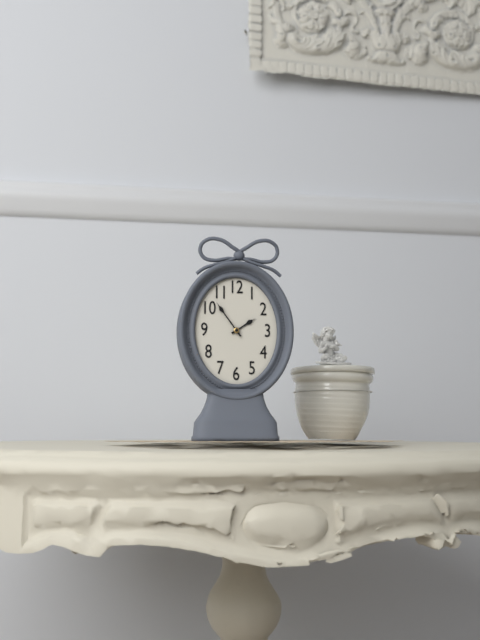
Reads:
{"hour": 1, "minute": 54}
